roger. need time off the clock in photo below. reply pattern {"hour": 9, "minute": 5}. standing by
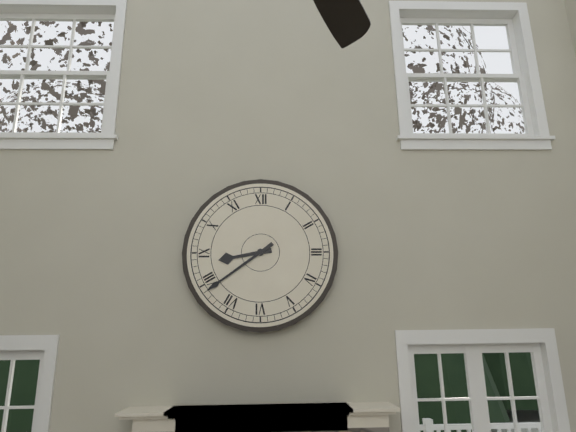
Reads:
{"hour": 8, "minute": 39}
